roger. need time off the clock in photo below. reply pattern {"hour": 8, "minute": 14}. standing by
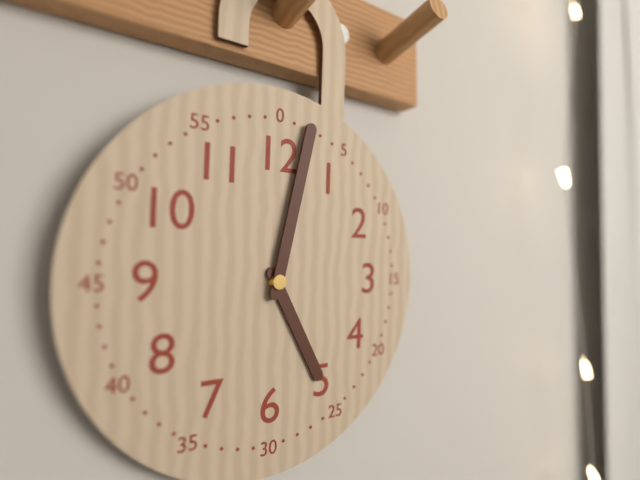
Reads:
{"hour": 5, "minute": 2}
